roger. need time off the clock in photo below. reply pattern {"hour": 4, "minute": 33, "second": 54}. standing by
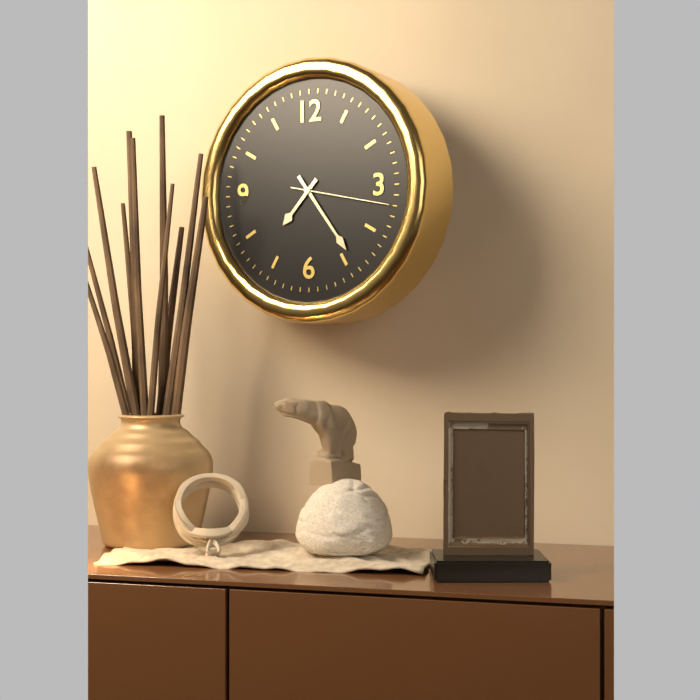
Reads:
{"hour": 7, "minute": 24, "second": 17}
